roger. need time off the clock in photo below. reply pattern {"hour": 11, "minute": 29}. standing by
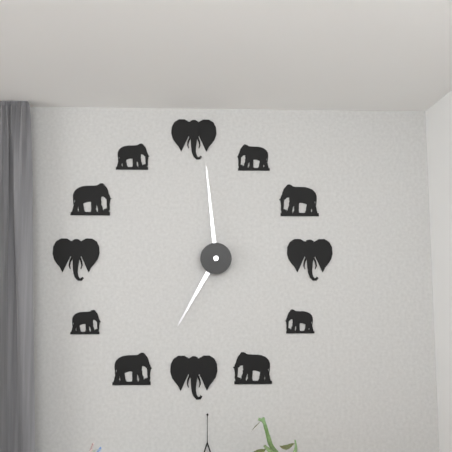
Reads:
{"hour": 6, "minute": 59}
